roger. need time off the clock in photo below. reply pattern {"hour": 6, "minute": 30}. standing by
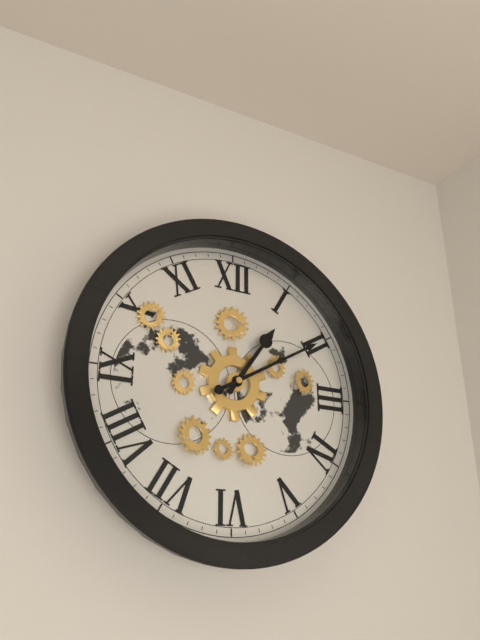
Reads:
{"hour": 1, "minute": 10}
